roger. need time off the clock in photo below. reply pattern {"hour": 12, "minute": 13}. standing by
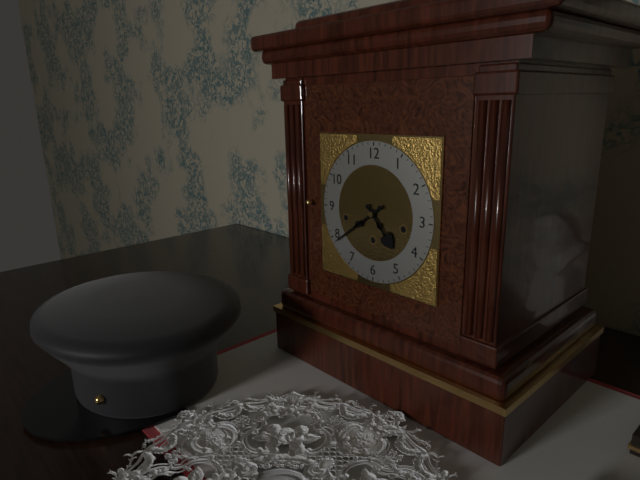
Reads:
{"hour": 4, "minute": 39}
